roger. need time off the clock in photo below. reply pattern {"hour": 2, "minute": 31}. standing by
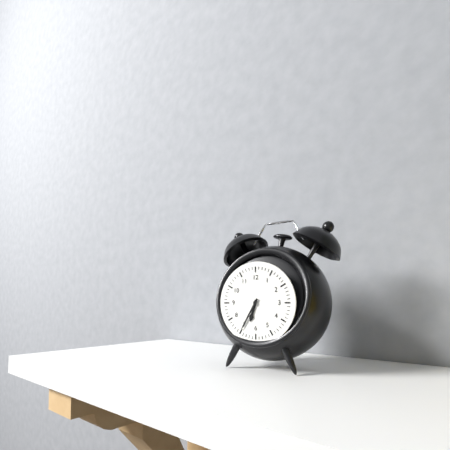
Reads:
{"hour": 6, "minute": 35}
